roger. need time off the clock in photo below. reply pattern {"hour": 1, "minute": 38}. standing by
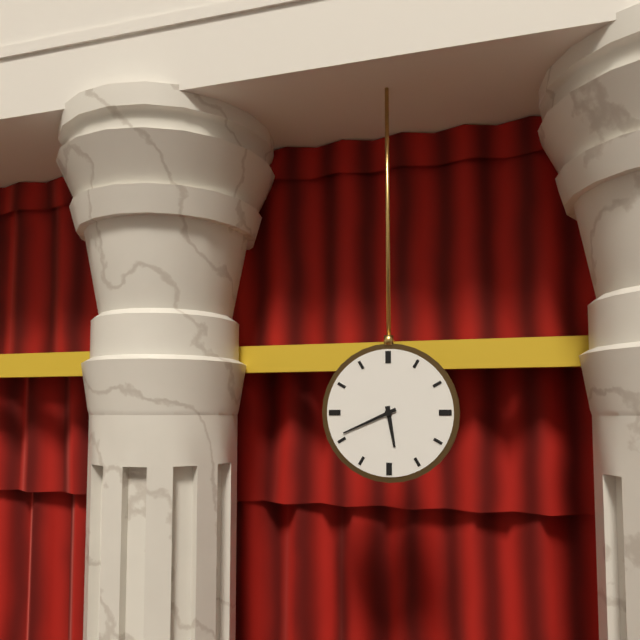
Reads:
{"hour": 5, "minute": 41}
